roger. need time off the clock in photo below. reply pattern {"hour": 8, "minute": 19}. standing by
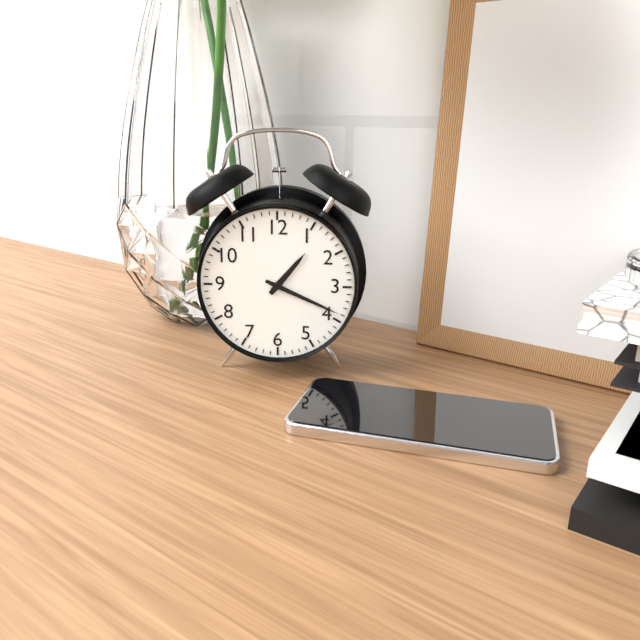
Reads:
{"hour": 1, "minute": 19}
